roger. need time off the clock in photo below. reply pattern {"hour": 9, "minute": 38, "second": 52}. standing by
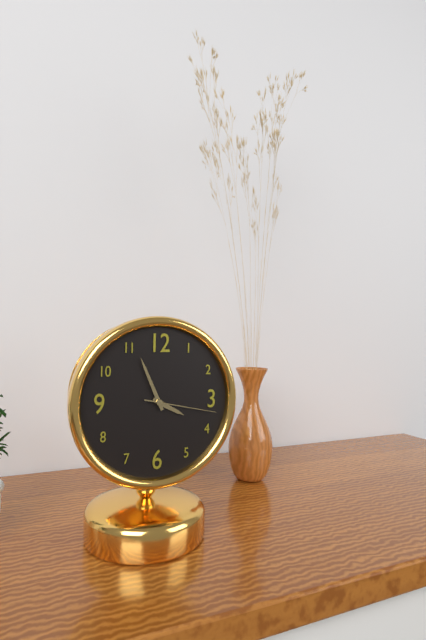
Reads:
{"hour": 3, "minute": 56, "second": 17}
